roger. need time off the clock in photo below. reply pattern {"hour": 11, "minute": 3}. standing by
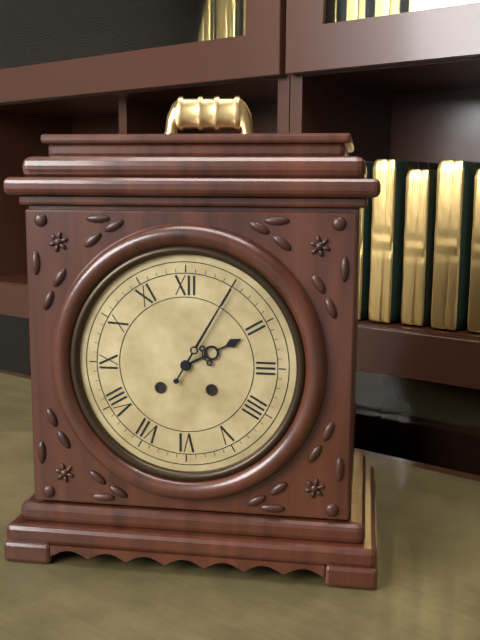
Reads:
{"hour": 2, "minute": 5}
